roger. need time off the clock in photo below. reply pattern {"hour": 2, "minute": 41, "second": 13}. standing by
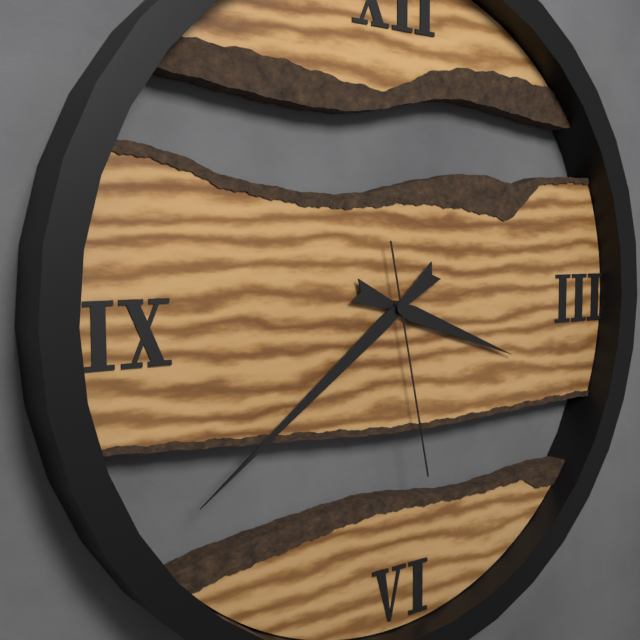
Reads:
{"hour": 3, "minute": 39, "second": 28}
